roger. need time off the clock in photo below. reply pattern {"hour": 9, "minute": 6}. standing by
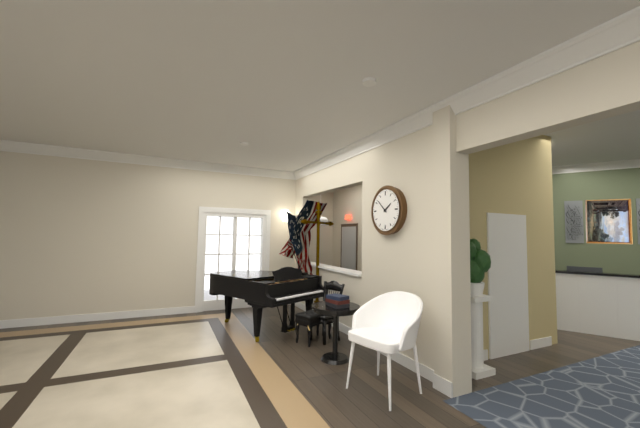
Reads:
{"hour": 1, "minute": 52}
